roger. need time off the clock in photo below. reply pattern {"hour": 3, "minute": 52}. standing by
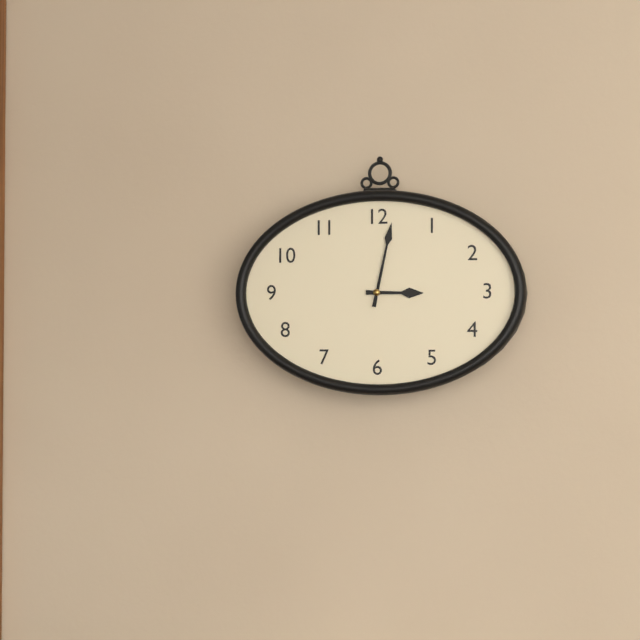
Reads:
{"hour": 3, "minute": 2}
